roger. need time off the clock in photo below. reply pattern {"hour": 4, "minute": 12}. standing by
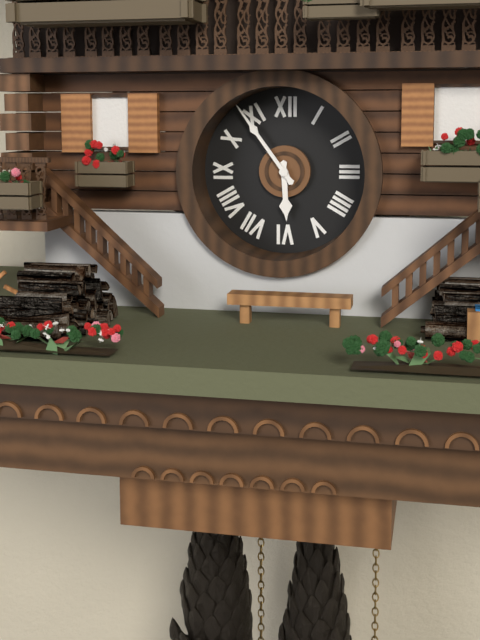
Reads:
{"hour": 5, "minute": 54}
